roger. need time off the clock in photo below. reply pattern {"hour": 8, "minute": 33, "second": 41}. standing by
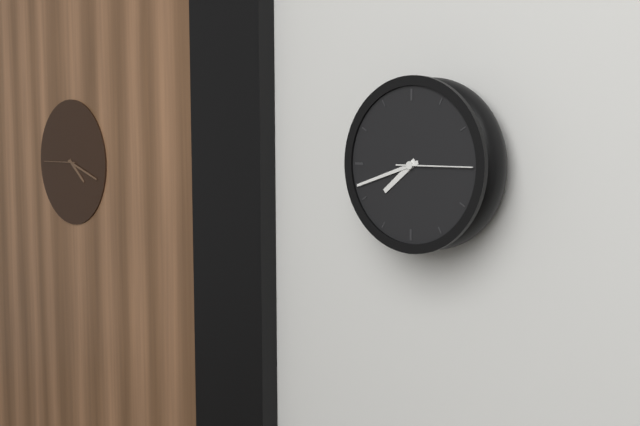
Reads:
{"hour": 7, "minute": 42, "second": 15}
